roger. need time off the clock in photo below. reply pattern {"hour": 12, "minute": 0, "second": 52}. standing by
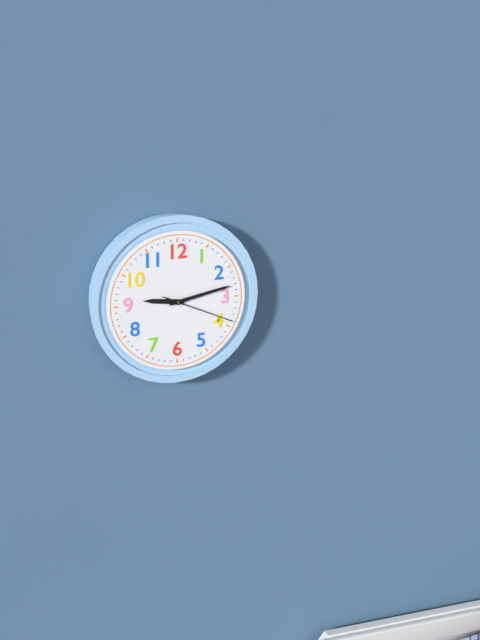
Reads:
{"hour": 9, "minute": 13, "second": 19}
